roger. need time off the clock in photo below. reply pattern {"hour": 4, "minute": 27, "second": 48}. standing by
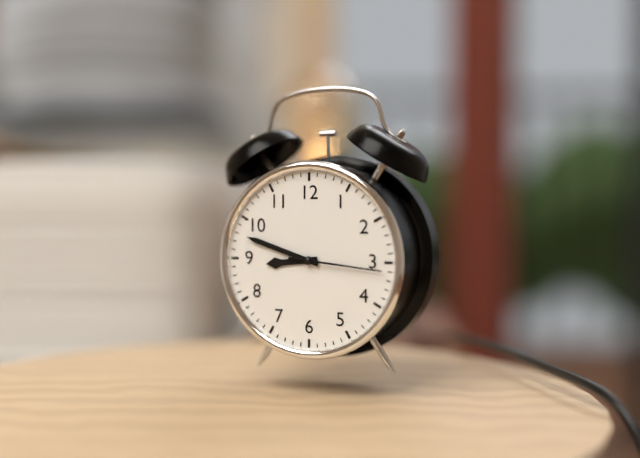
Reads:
{"hour": 8, "minute": 48, "second": 16}
